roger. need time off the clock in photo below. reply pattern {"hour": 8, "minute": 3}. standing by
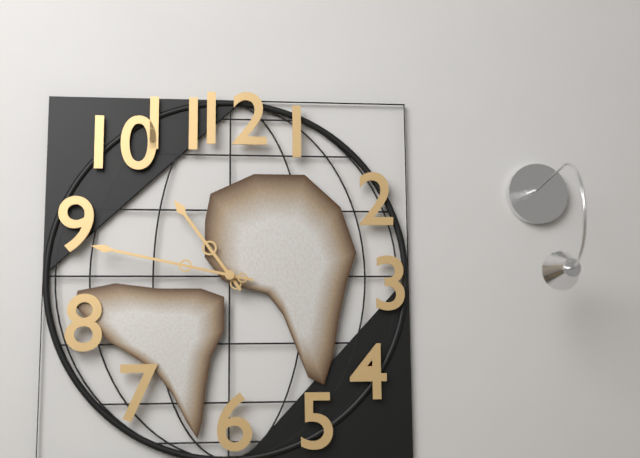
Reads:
{"hour": 10, "minute": 47}
